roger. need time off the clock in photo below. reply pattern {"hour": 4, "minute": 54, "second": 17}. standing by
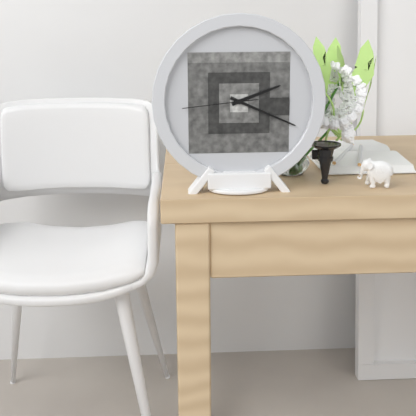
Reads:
{"hour": 2, "minute": 19, "second": 44}
